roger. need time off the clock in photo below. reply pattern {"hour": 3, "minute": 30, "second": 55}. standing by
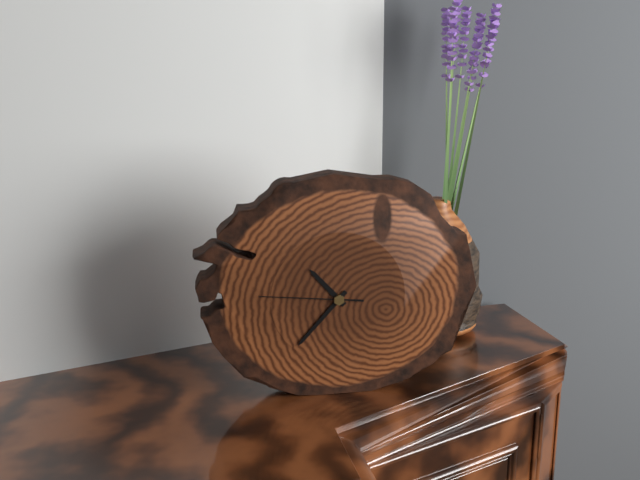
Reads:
{"hour": 10, "minute": 37, "second": 46}
